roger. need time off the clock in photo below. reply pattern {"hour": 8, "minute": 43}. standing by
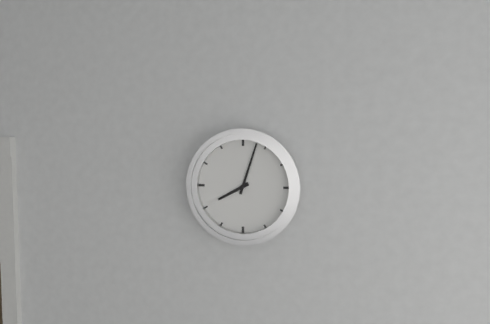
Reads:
{"hour": 8, "minute": 3}
